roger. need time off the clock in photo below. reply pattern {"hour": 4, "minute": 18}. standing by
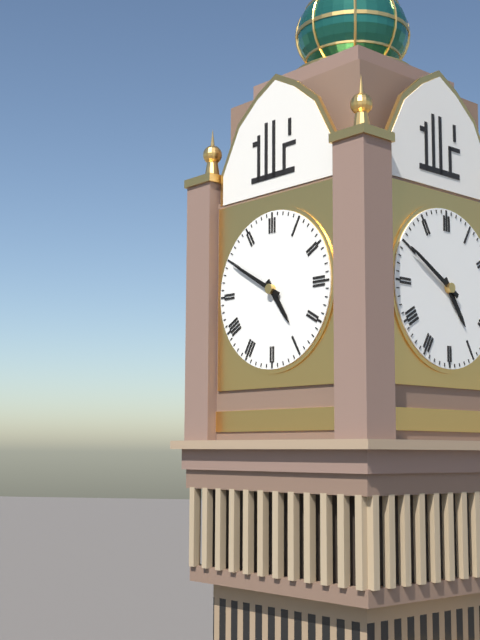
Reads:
{"hour": 4, "minute": 50}
